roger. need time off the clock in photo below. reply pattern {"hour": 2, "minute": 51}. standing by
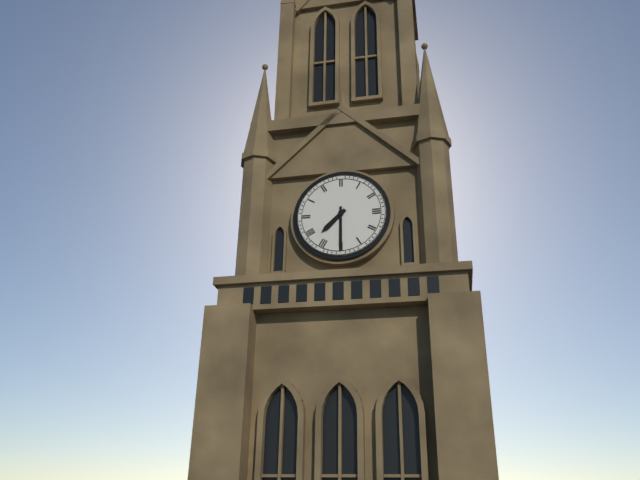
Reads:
{"hour": 7, "minute": 30}
